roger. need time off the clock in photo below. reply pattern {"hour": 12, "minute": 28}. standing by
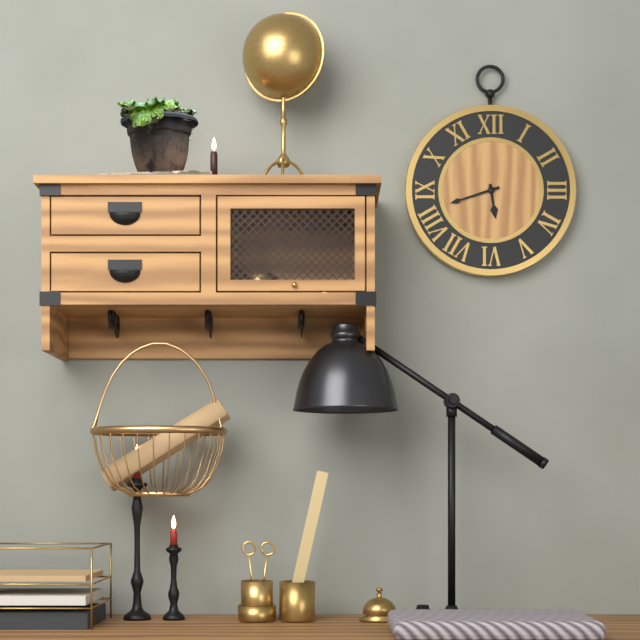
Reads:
{"hour": 5, "minute": 42}
